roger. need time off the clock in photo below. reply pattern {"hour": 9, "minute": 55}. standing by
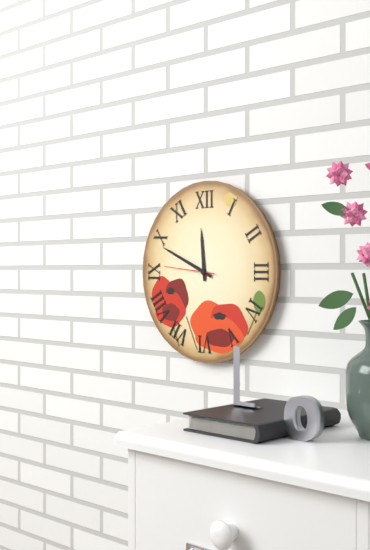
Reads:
{"hour": 11, "minute": 49}
